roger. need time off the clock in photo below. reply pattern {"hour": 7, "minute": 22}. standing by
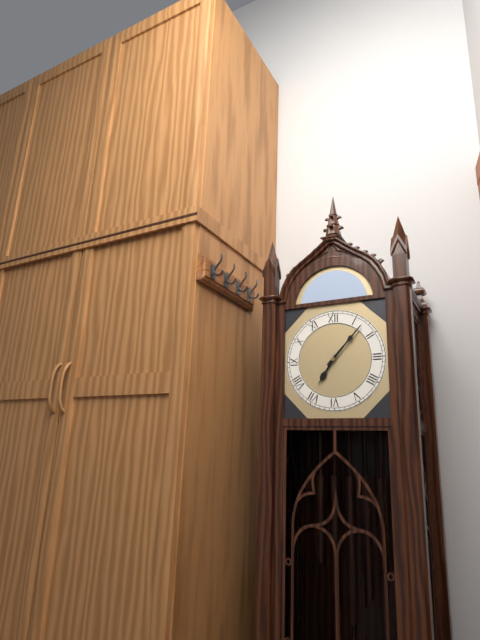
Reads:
{"hour": 7, "minute": 7}
